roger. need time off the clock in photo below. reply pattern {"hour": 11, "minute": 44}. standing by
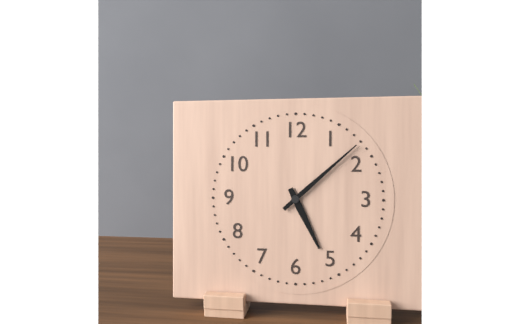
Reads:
{"hour": 5, "minute": 8}
